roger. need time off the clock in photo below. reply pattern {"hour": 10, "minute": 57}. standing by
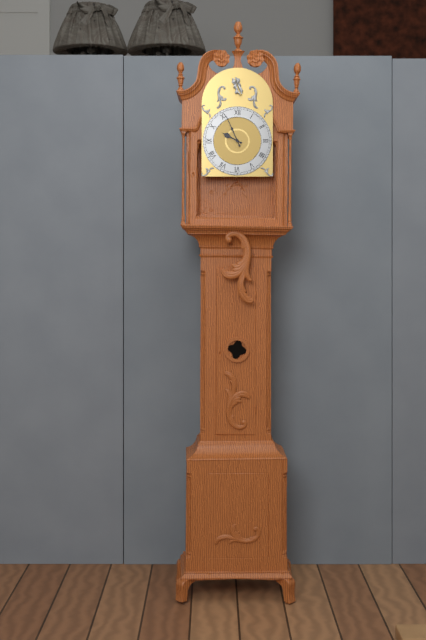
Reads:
{"hour": 9, "minute": 56}
